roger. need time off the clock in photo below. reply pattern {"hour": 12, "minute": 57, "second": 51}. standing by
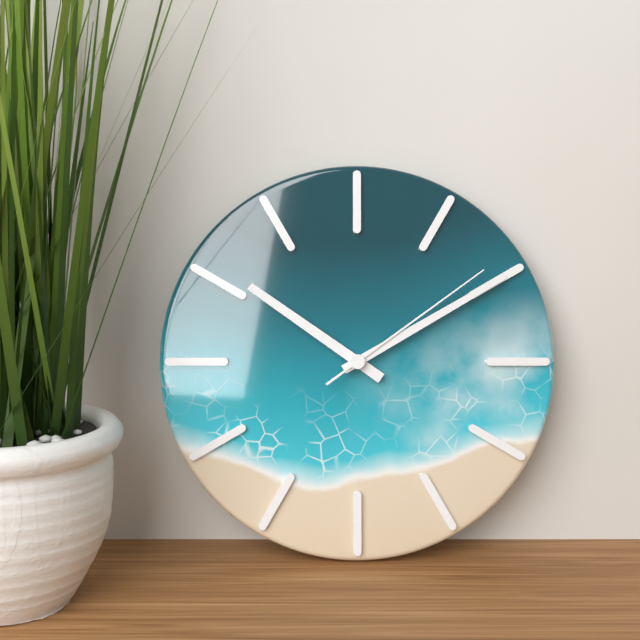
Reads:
{"hour": 10, "minute": 10, "second": 9}
